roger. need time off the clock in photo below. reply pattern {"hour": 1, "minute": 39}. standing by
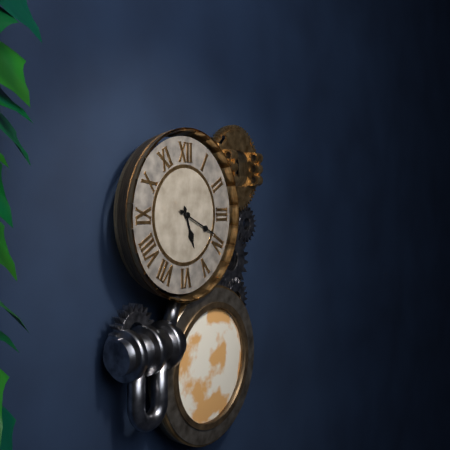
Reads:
{"hour": 5, "minute": 19}
